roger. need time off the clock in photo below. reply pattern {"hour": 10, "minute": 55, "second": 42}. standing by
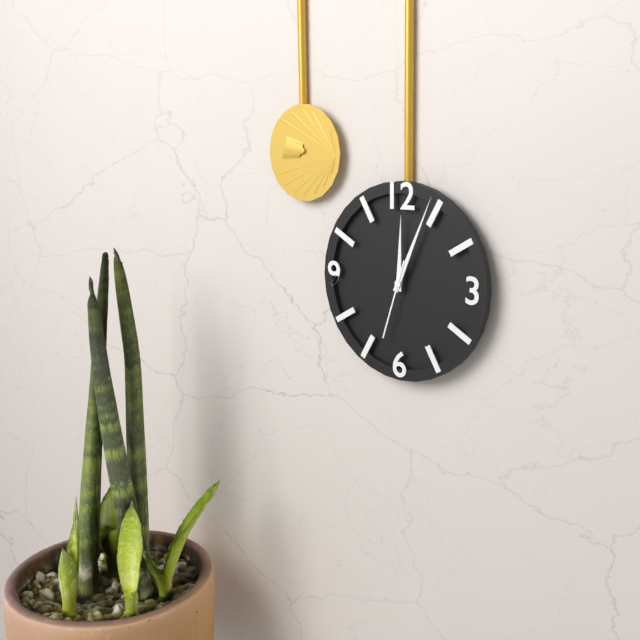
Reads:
{"hour": 12, "minute": 4, "second": 33}
